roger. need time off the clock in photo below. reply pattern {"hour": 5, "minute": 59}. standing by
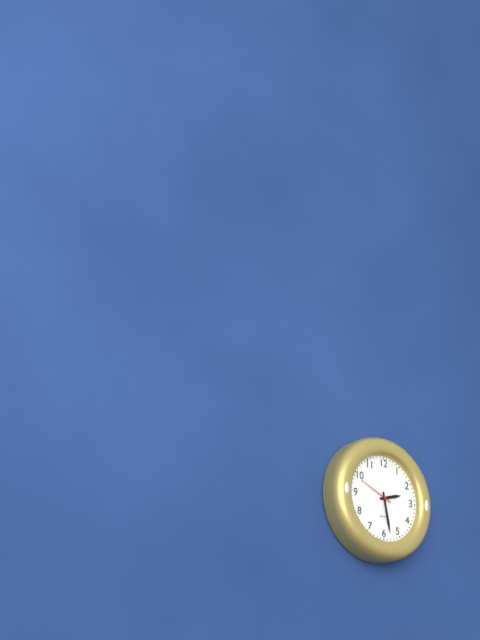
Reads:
{"hour": 2, "minute": 28}
